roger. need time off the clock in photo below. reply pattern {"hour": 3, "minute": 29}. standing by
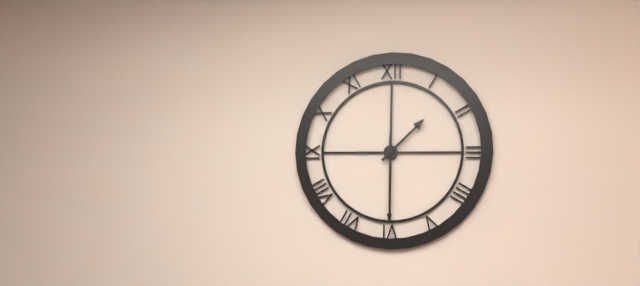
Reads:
{"hour": 1, "minute": 30}
